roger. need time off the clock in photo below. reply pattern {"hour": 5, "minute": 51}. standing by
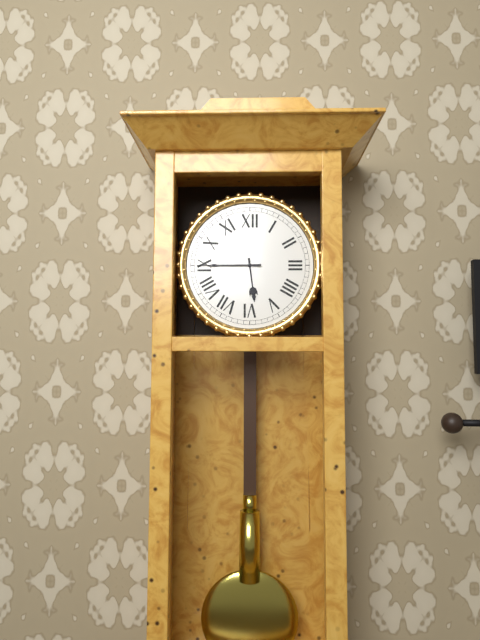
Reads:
{"hour": 5, "minute": 45}
